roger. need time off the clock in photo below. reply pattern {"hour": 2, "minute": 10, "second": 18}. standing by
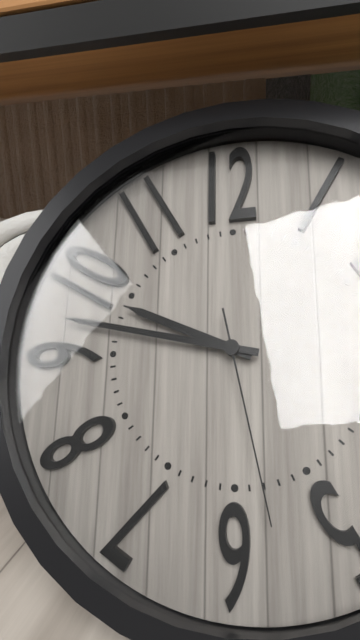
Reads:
{"hour": 9, "minute": 47, "second": 28}
